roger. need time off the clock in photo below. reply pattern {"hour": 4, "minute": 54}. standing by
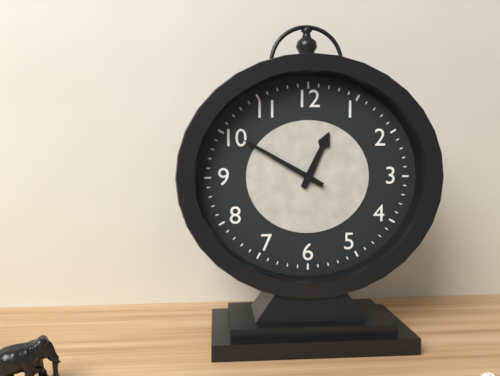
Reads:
{"hour": 12, "minute": 50}
